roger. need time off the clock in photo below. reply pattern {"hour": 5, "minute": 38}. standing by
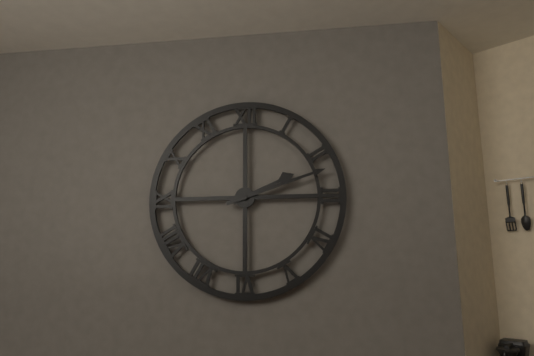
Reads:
{"hour": 2, "minute": 12}
